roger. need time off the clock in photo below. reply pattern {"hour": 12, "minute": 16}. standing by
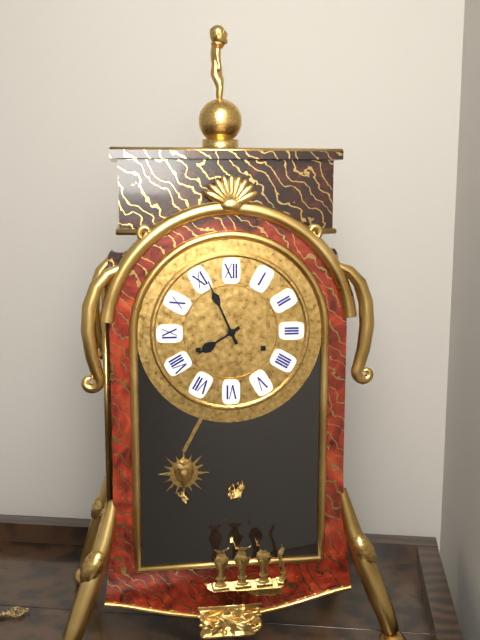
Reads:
{"hour": 7, "minute": 56}
